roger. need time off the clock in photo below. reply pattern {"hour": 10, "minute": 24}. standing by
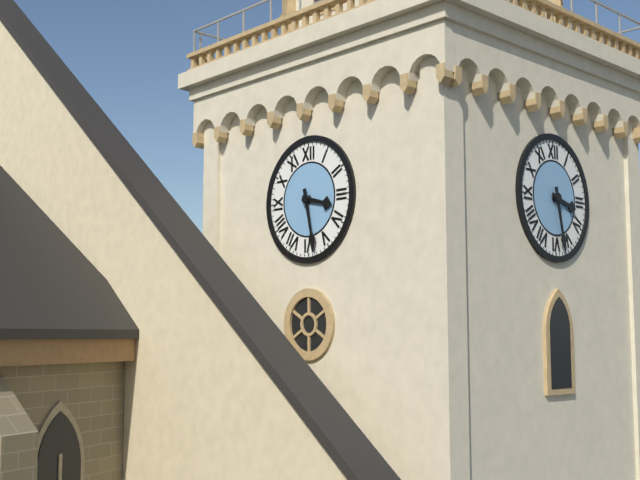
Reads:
{"hour": 3, "minute": 28}
